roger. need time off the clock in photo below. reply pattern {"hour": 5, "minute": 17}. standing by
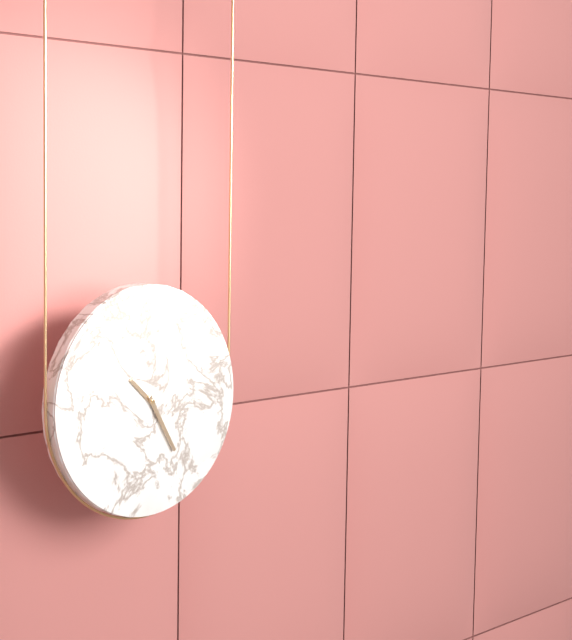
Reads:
{"hour": 10, "minute": 25}
